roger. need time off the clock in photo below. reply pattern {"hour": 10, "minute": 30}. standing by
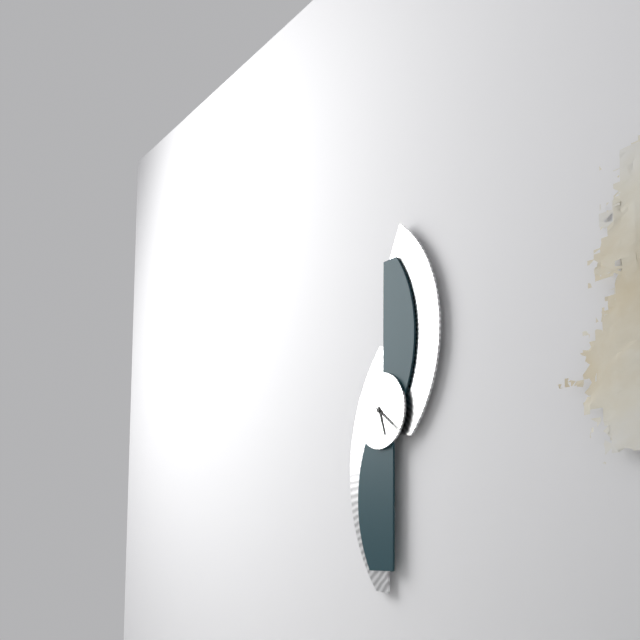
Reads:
{"hour": 5, "minute": 21}
